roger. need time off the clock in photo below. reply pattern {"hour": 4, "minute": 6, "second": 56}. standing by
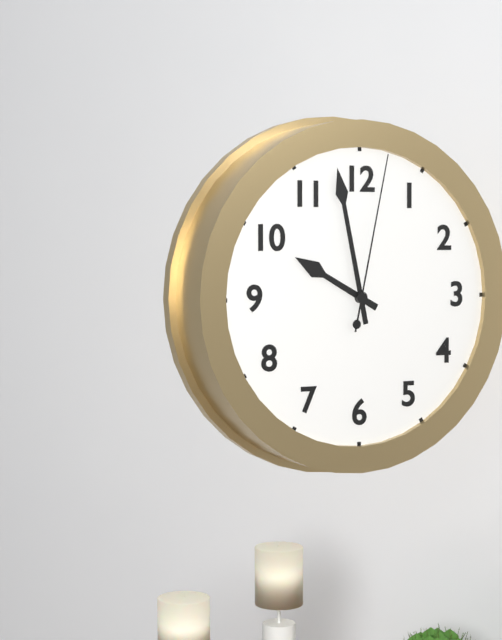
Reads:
{"hour": 9, "minute": 58, "second": 2}
